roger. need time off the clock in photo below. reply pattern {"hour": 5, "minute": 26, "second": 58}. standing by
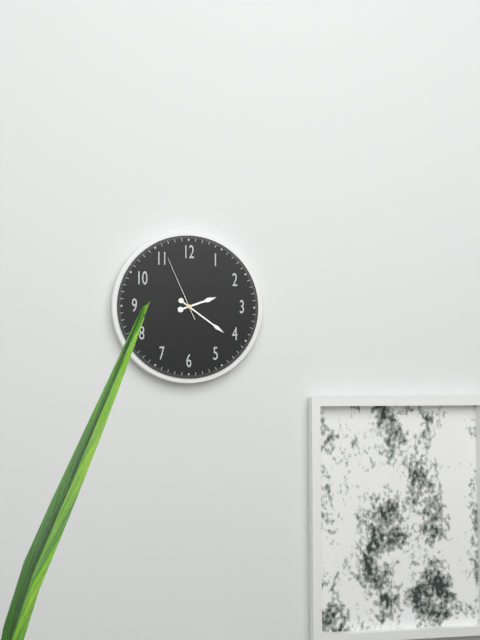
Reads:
{"hour": 2, "minute": 21, "second": 56}
